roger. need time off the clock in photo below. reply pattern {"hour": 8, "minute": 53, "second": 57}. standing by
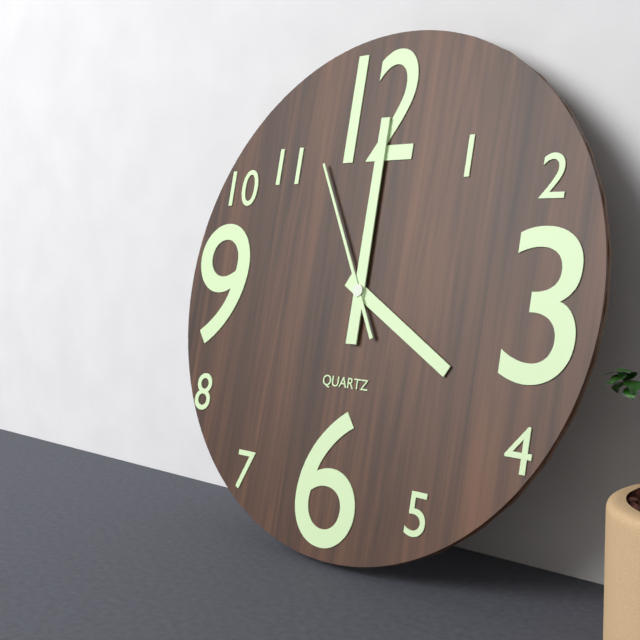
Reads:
{"hour": 4, "minute": 0, "second": 55}
